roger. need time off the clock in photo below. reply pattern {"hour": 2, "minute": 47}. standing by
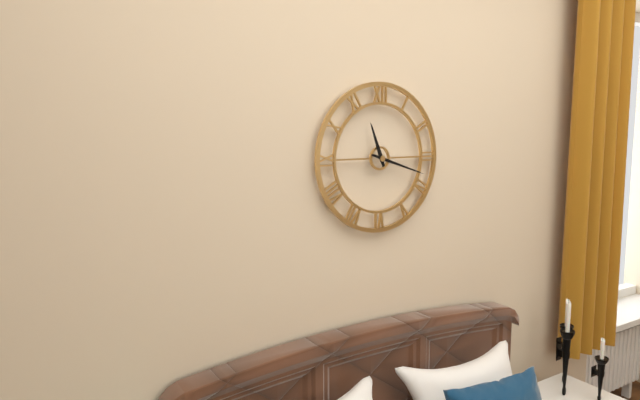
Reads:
{"hour": 11, "minute": 18}
